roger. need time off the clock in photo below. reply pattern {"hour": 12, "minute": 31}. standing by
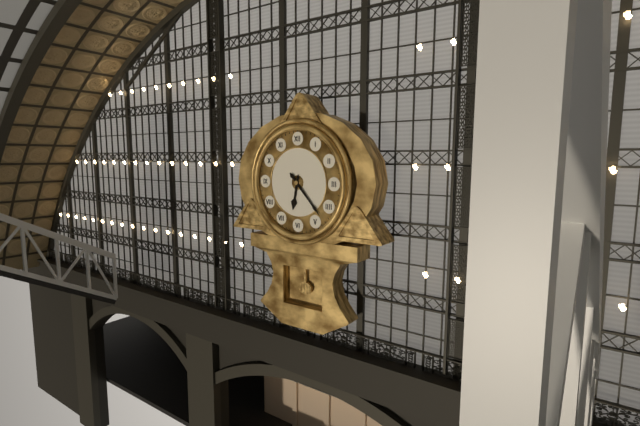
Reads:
{"hour": 6, "minute": 23}
